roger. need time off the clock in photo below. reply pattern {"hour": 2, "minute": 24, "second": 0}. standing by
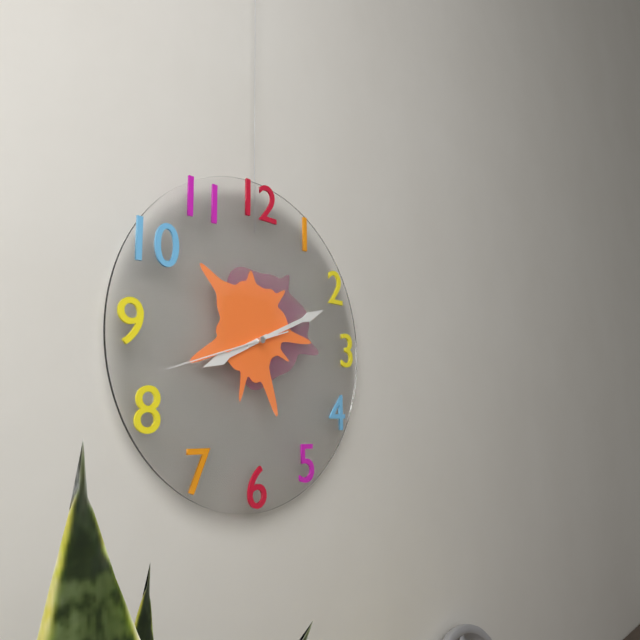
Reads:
{"hour": 8, "minute": 11, "second": 42}
